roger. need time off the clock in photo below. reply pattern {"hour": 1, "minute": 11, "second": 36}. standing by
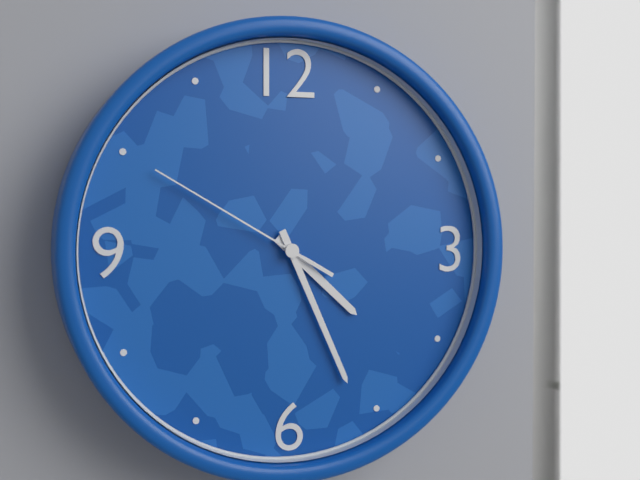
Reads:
{"hour": 4, "minute": 26, "second": 50}
